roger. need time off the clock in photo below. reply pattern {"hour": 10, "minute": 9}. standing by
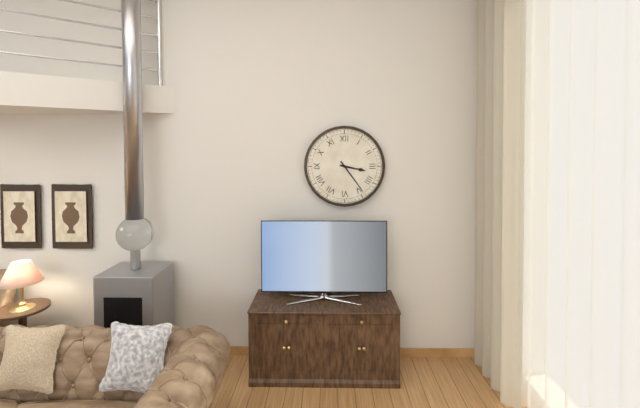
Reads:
{"hour": 3, "minute": 24}
